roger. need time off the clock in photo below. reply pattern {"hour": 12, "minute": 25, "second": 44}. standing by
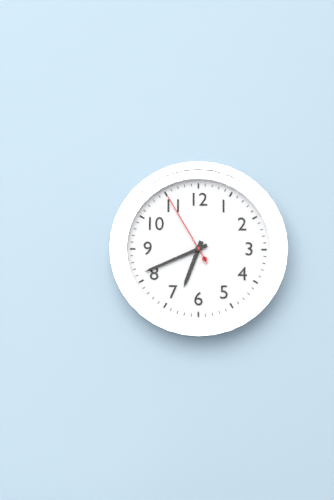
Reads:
{"hour": 6, "minute": 41, "second": 55}
